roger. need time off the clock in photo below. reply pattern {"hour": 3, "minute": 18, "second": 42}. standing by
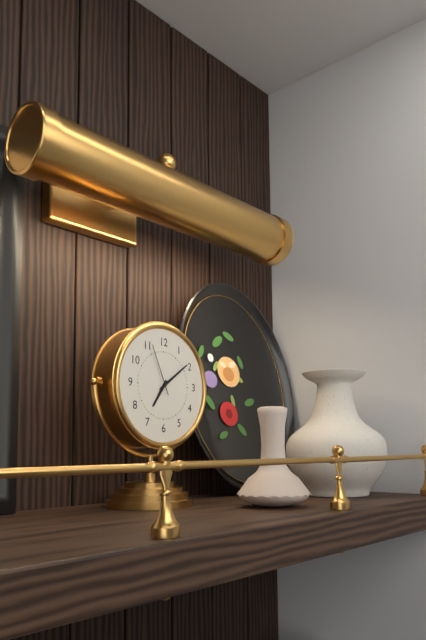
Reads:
{"hour": 7, "minute": 9, "second": 56}
